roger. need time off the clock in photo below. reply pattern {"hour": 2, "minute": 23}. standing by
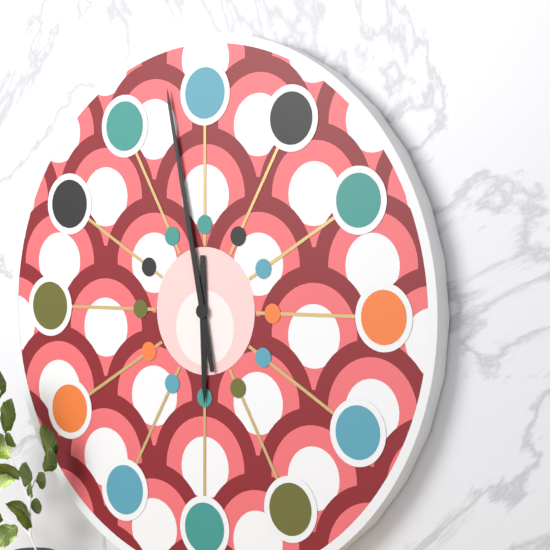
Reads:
{"hour": 5, "minute": 58}
